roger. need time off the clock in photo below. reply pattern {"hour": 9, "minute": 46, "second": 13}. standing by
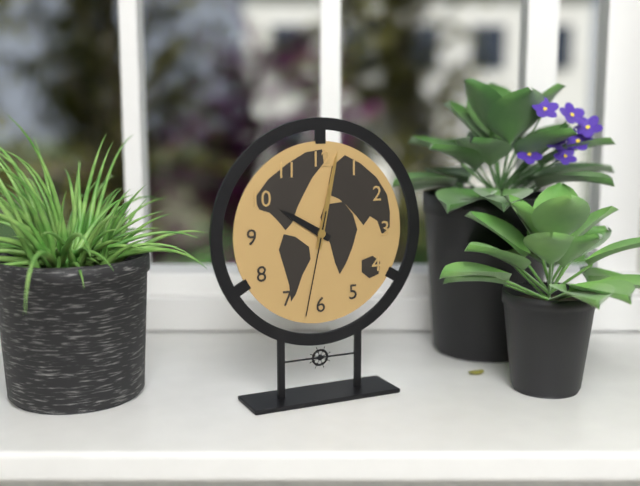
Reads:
{"hour": 10, "minute": 2, "second": 32}
